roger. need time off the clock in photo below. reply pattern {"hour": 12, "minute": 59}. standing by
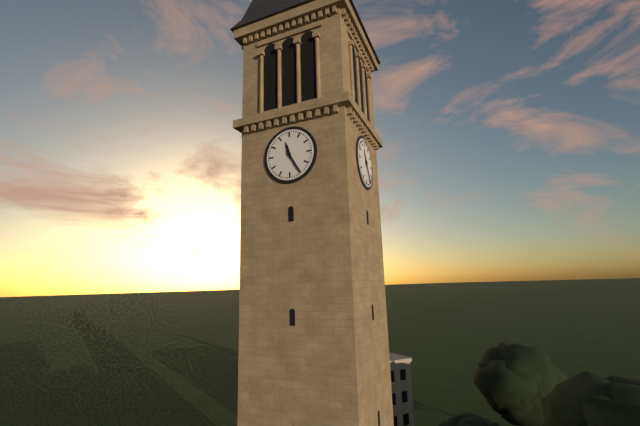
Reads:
{"hour": 11, "minute": 25}
